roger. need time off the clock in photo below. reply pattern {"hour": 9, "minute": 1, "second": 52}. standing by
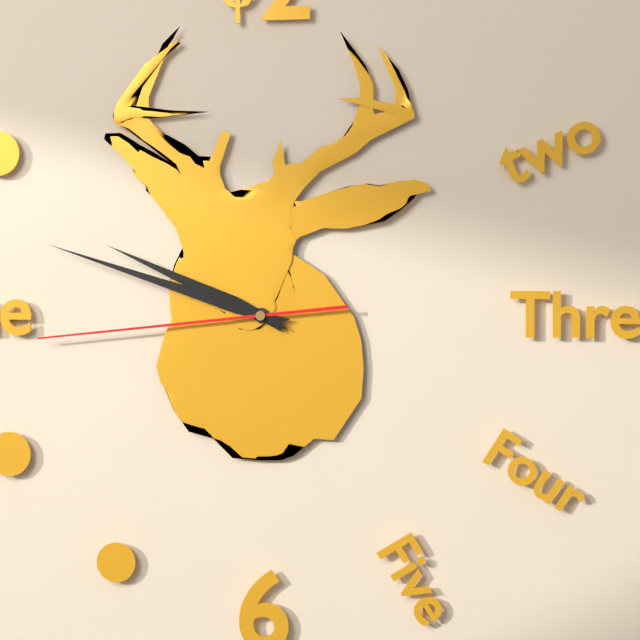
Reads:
{"hour": 9, "minute": 48, "second": 44}
